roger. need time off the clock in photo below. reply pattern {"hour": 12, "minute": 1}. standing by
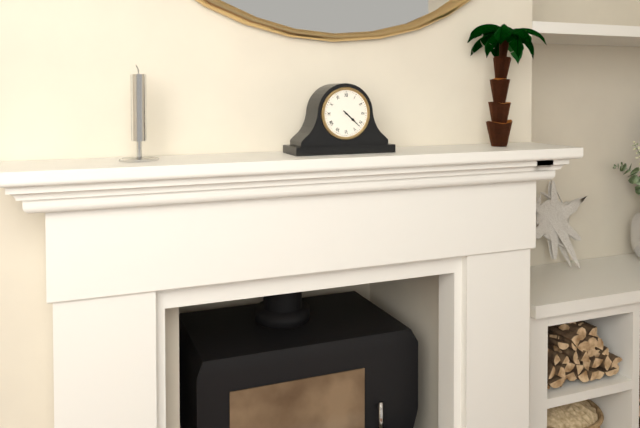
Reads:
{"hour": 4, "minute": 22}
